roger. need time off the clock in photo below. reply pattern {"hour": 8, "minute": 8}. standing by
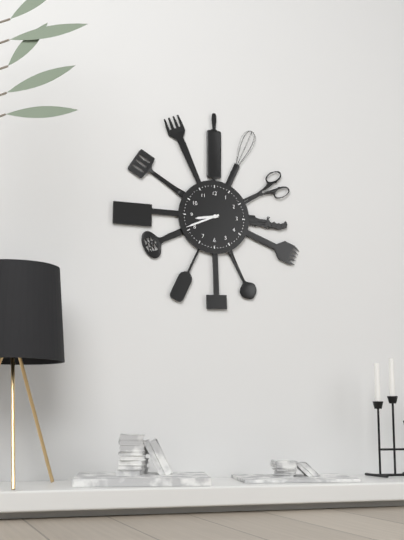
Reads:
{"hour": 8, "minute": 41}
